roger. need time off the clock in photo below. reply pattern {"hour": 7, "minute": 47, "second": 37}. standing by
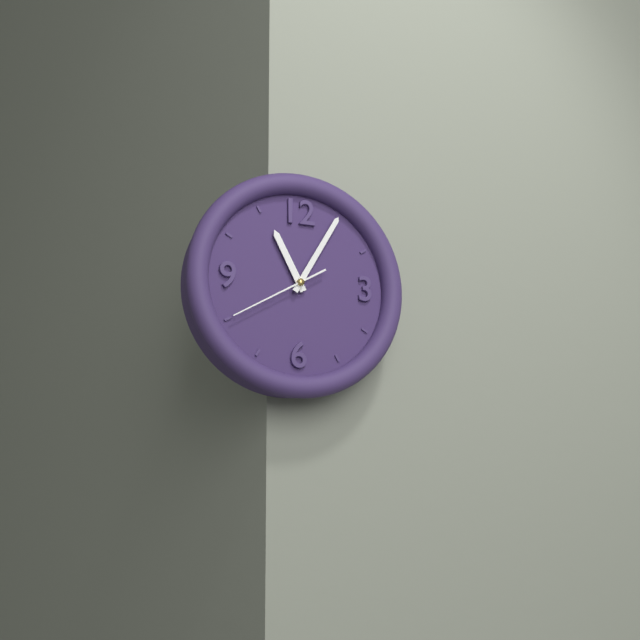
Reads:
{"hour": 11, "minute": 5, "second": 40}
